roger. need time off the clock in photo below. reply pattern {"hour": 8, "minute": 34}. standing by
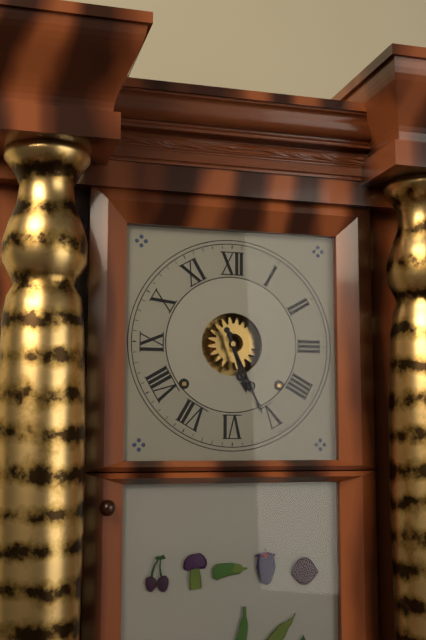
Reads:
{"hour": 5, "minute": 26}
